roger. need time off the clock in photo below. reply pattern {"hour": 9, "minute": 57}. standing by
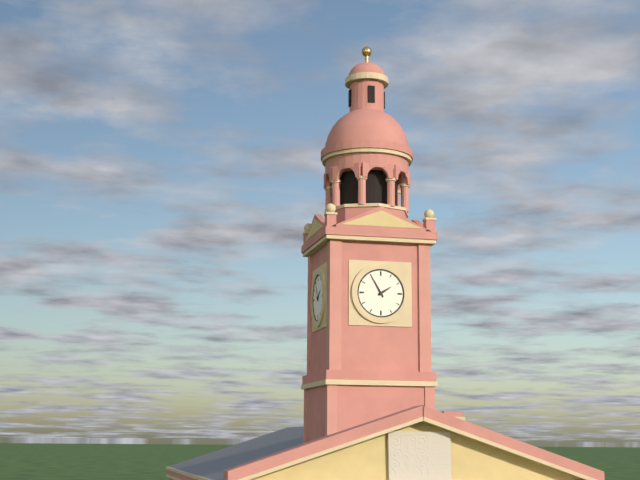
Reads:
{"hour": 1, "minute": 55}
